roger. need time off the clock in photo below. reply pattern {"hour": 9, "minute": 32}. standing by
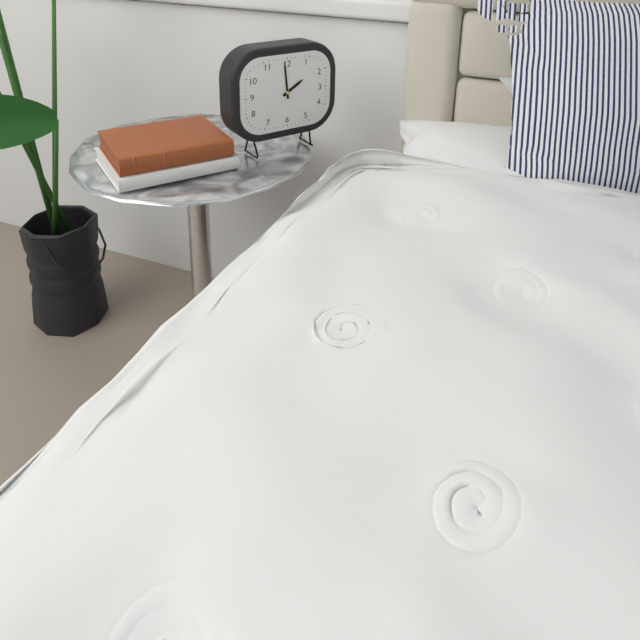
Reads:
{"hour": 1, "minute": 59}
